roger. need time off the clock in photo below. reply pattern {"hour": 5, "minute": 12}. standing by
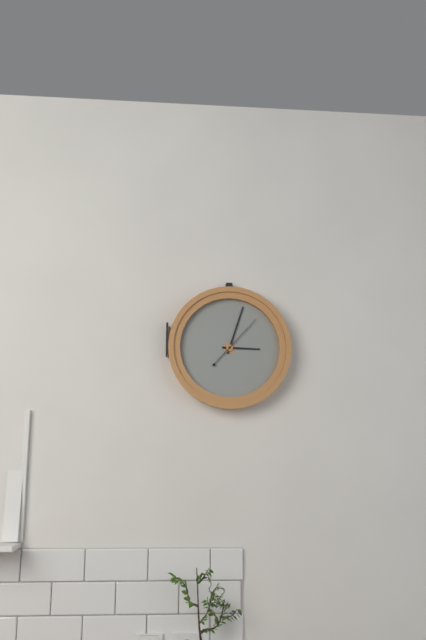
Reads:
{"hour": 3, "minute": 3}
